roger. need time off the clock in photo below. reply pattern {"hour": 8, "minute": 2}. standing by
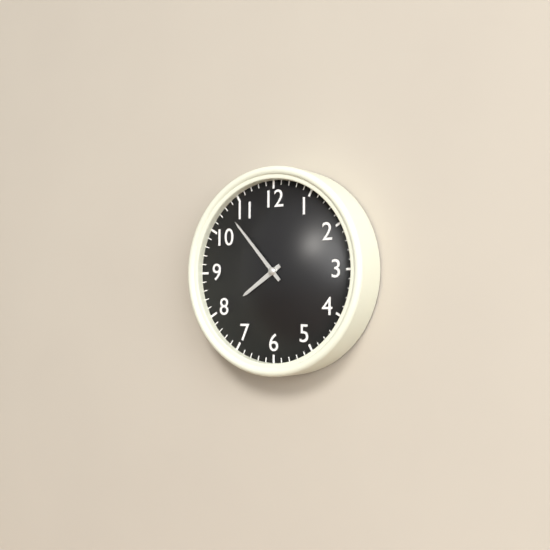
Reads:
{"hour": 7, "minute": 53}
